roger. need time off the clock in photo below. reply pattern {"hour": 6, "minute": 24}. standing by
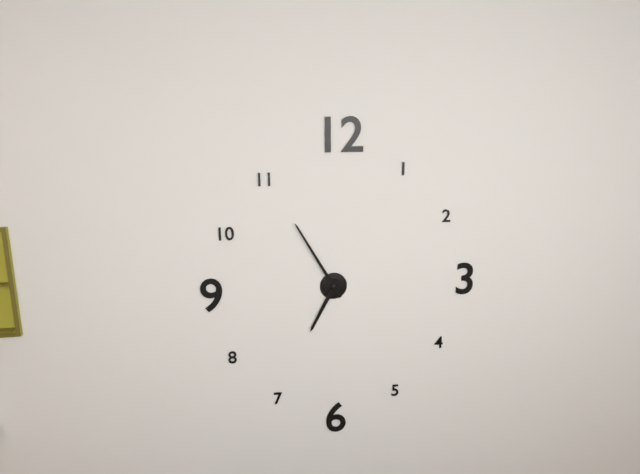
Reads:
{"hour": 6, "minute": 55}
